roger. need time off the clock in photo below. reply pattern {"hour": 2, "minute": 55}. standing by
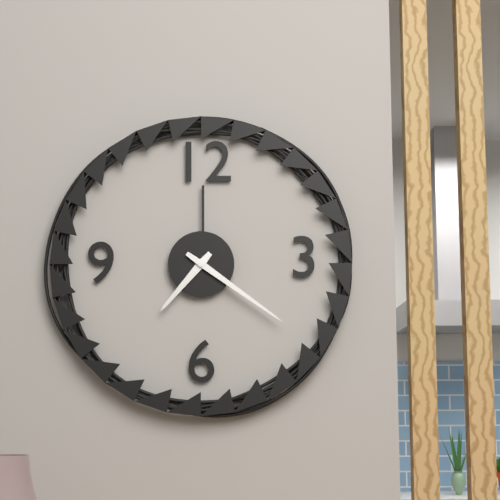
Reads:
{"hour": 7, "minute": 21}
